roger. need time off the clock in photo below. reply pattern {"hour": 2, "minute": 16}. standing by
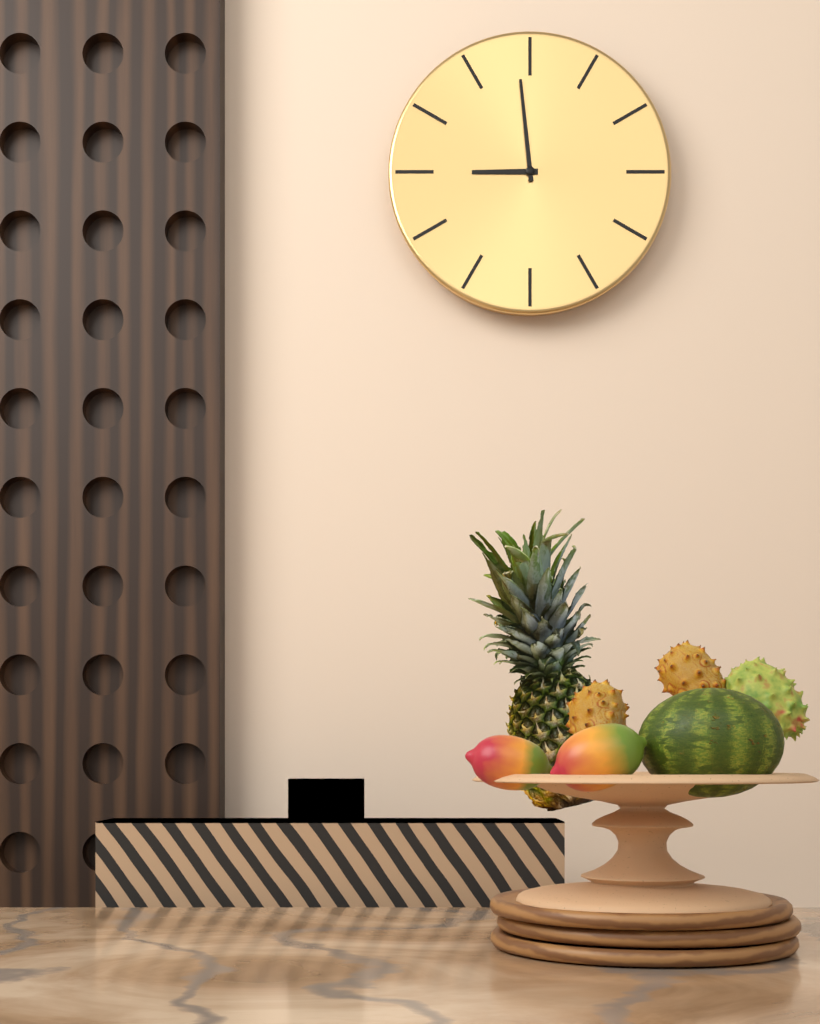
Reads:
{"hour": 8, "minute": 59}
